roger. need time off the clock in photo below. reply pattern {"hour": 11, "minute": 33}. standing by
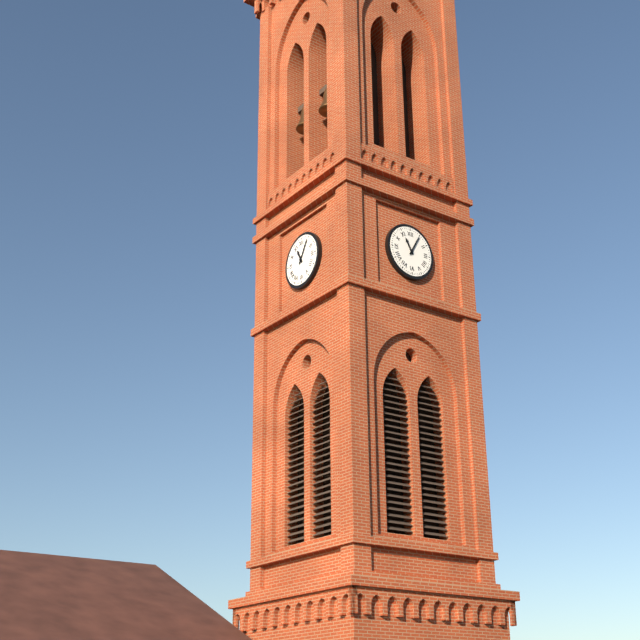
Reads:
{"hour": 11, "minute": 5}
